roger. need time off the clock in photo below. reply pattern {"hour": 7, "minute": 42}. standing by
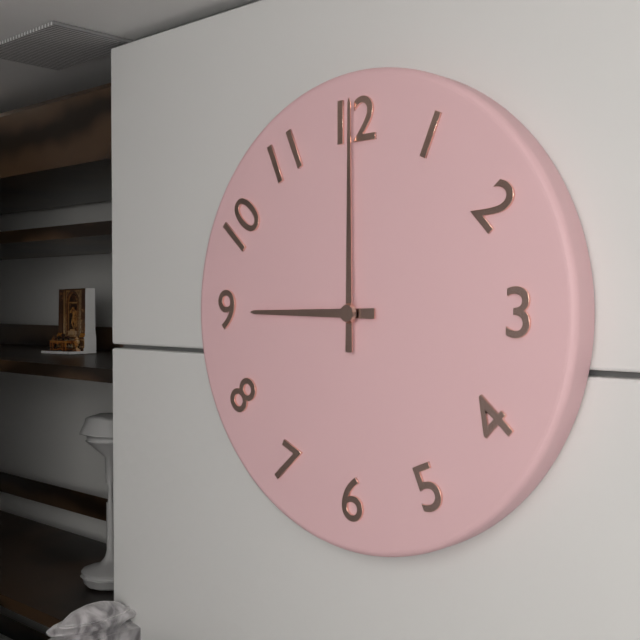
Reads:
{"hour": 9, "minute": 0}
